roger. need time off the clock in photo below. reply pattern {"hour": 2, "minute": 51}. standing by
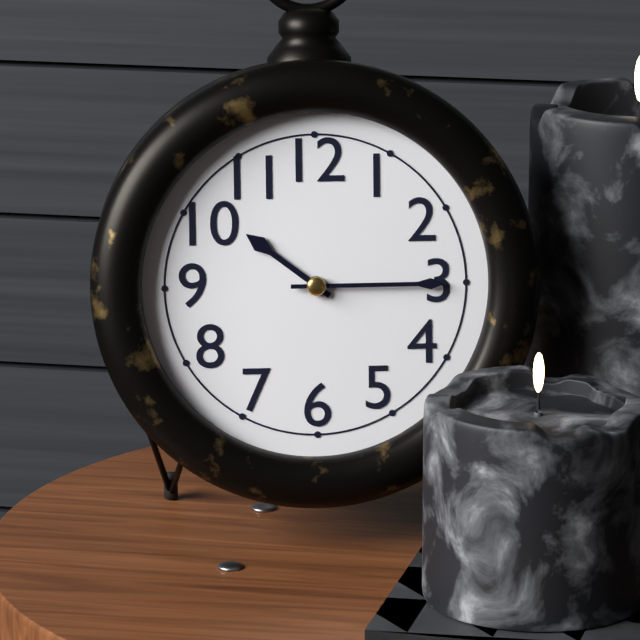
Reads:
{"hour": 10, "minute": 15}
